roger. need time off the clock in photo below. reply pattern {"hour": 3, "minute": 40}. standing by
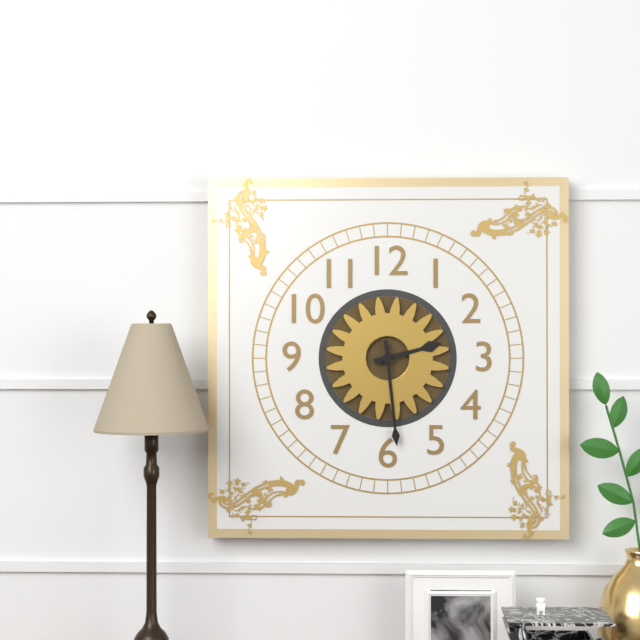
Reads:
{"hour": 2, "minute": 29}
